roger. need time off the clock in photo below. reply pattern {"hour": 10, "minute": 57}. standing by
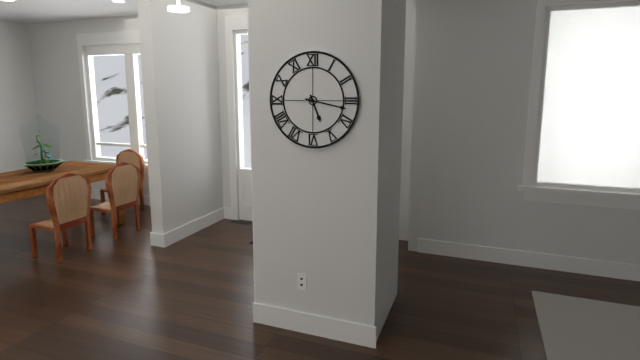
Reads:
{"hour": 5, "minute": 17}
